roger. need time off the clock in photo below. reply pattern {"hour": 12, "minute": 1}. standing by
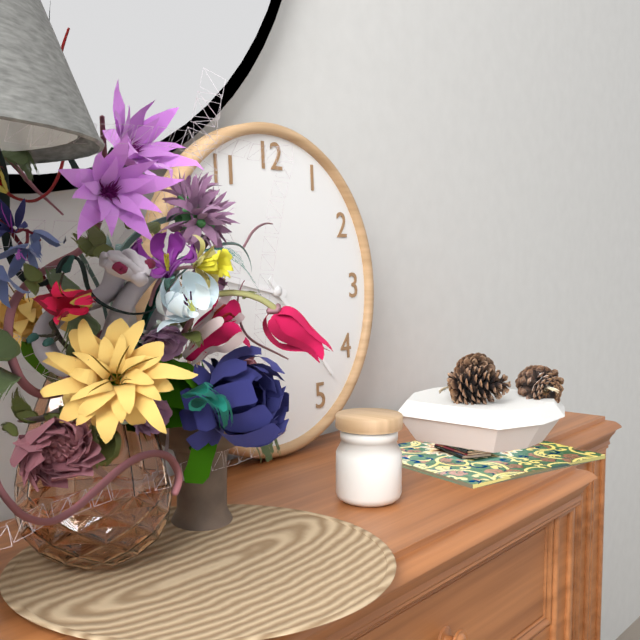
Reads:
{"hour": 9, "minute": 23}
